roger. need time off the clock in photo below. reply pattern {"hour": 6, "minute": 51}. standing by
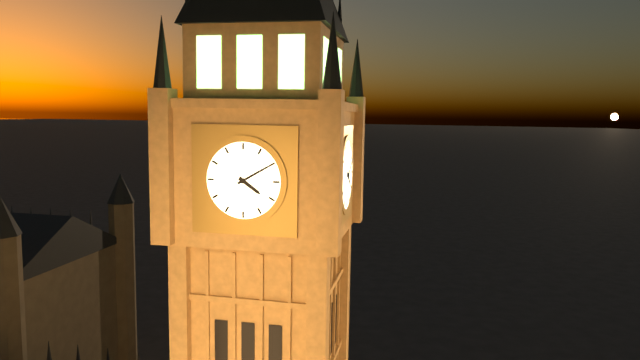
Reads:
{"hour": 4, "minute": 10}
